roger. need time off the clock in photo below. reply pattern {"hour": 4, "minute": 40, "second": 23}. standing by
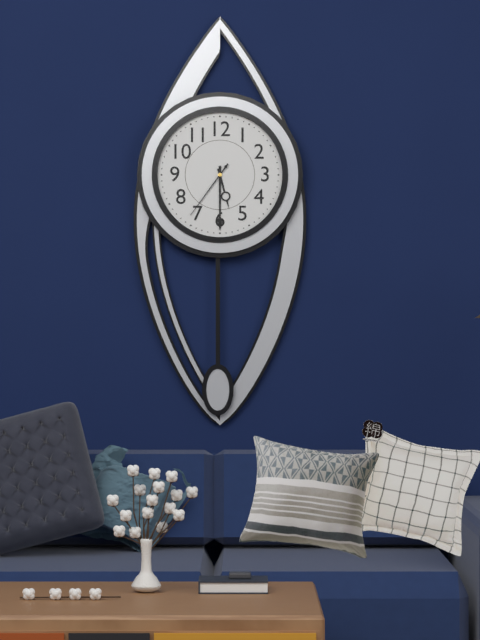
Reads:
{"hour": 5, "minute": 30, "second": 36}
